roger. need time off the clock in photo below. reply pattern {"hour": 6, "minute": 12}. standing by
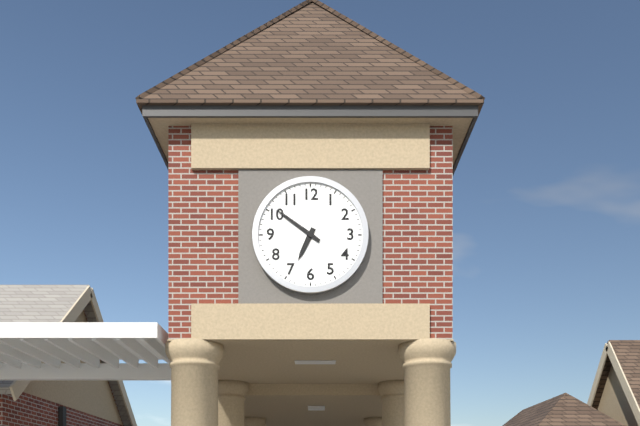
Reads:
{"hour": 6, "minute": 51}
